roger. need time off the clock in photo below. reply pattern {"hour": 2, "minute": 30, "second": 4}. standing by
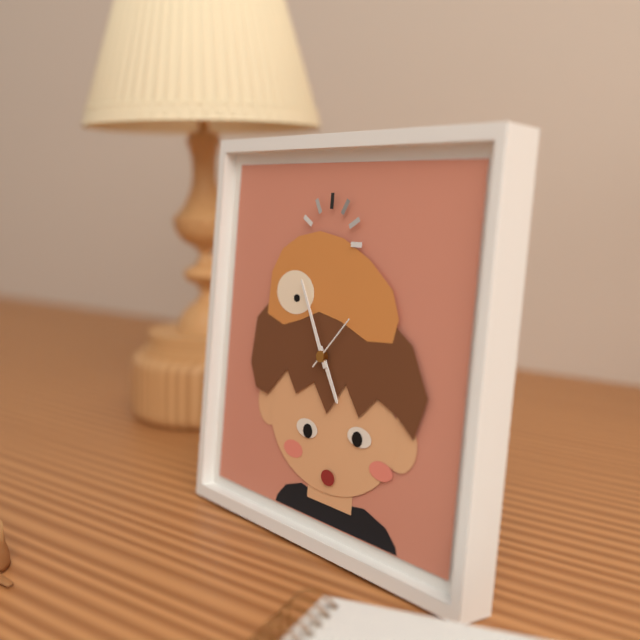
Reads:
{"hour": 4, "minute": 55, "second": 7}
